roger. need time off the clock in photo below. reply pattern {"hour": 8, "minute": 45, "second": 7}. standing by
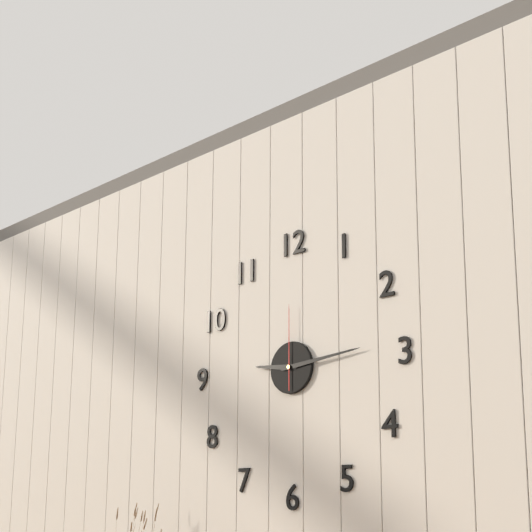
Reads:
{"hour": 9, "minute": 14, "second": 0}
